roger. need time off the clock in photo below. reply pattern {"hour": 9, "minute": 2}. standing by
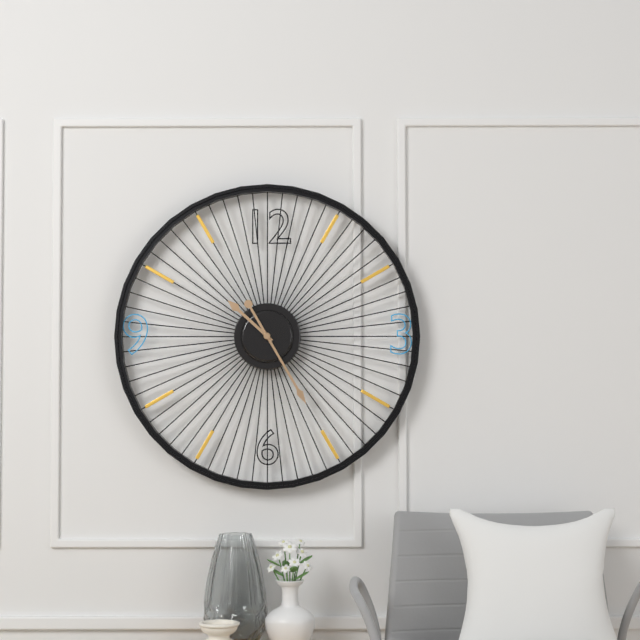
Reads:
{"hour": 10, "minute": 25}
